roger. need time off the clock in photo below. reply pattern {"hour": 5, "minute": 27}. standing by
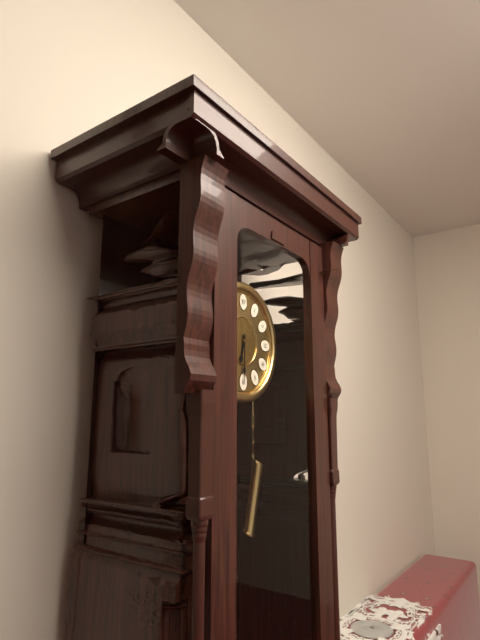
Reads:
{"hour": 6, "minute": 30}
